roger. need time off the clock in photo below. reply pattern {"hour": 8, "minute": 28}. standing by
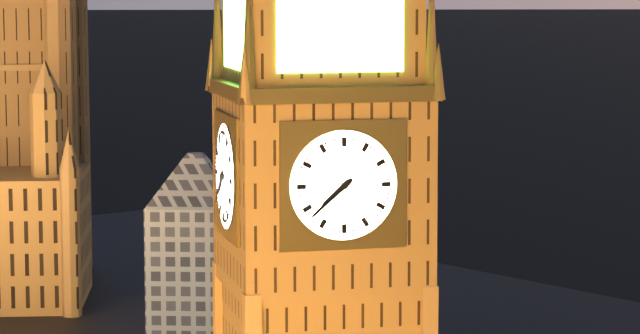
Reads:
{"hour": 7, "minute": 38}
